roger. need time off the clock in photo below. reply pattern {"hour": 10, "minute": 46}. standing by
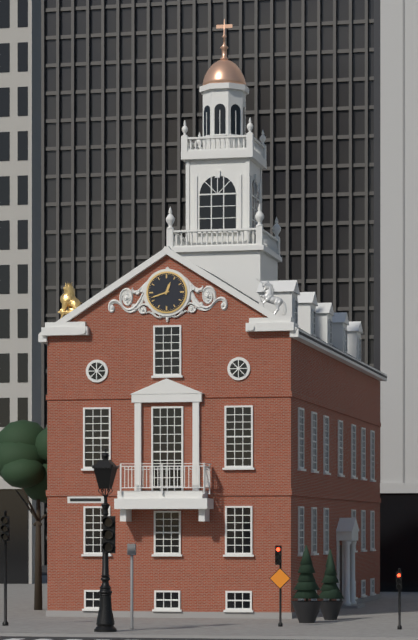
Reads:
{"hour": 12, "minute": 42}
